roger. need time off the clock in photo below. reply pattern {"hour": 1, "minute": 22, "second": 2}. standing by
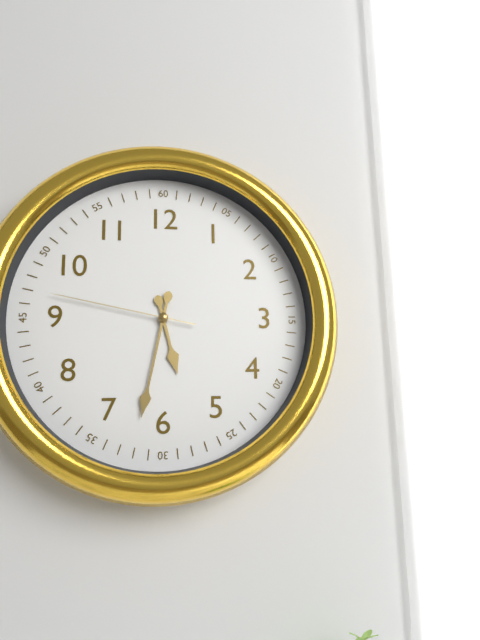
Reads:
{"hour": 5, "minute": 32, "second": 47}
